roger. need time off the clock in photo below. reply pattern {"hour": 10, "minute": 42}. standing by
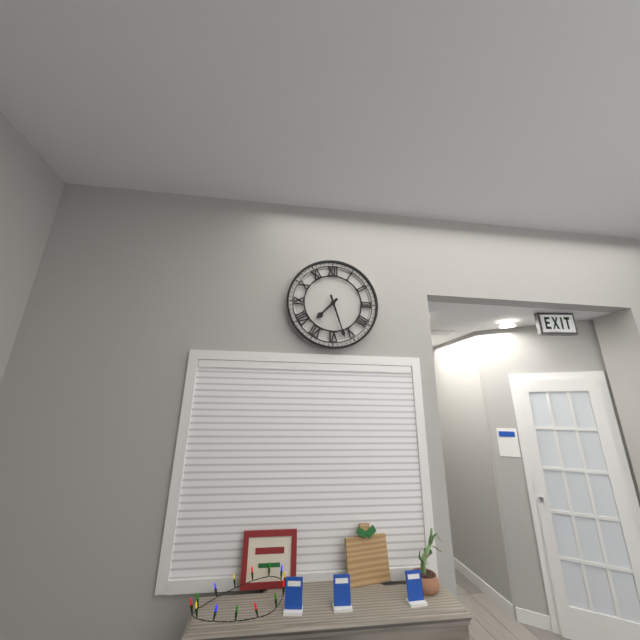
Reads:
{"hour": 7, "minute": 27}
